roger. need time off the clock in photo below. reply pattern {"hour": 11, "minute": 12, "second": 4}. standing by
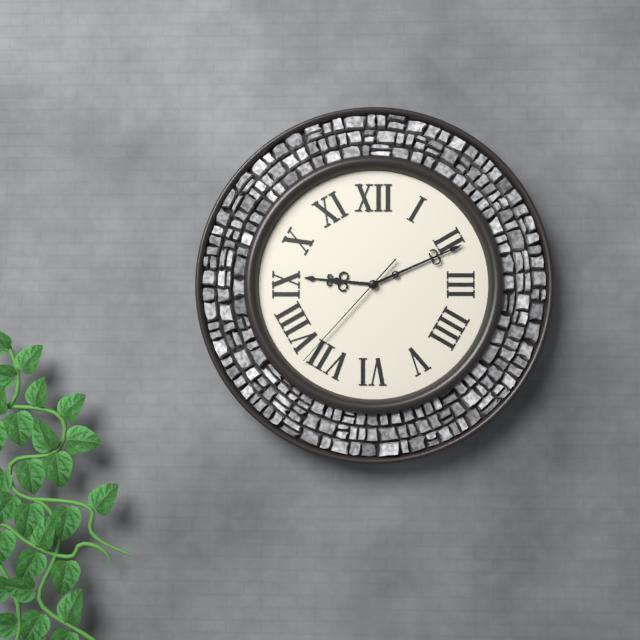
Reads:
{"hour": 9, "minute": 11, "second": 37}
